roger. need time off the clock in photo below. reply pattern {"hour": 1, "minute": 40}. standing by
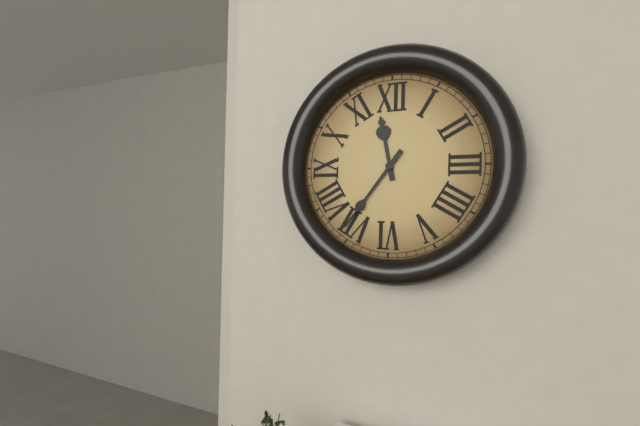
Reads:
{"hour": 11, "minute": 36}
